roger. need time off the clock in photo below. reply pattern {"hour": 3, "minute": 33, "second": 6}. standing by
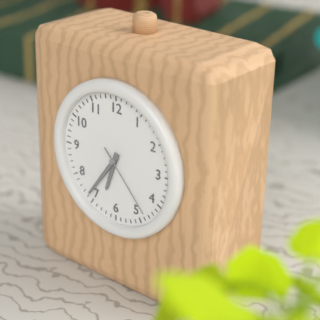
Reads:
{"hour": 6, "minute": 36, "second": 23}
